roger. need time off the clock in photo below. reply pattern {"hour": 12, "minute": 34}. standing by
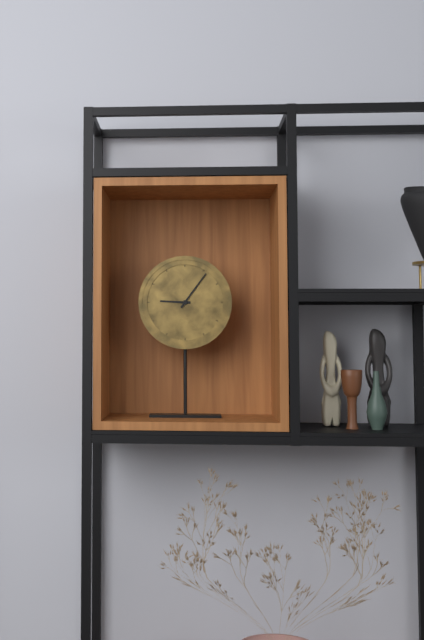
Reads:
{"hour": 9, "minute": 6}
